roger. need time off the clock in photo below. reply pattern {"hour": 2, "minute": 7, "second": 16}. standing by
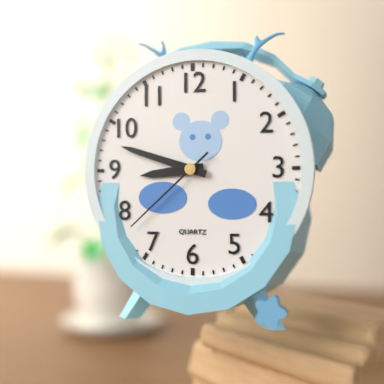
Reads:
{"hour": 8, "minute": 48, "second": 38}
